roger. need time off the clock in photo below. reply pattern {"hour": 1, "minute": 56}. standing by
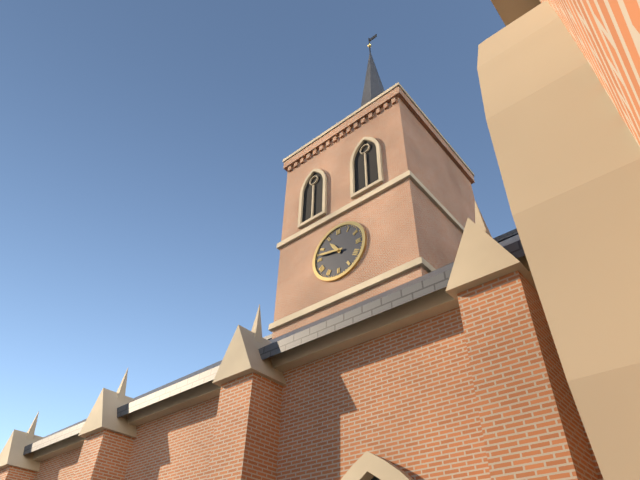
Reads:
{"hour": 10, "minute": 47}
